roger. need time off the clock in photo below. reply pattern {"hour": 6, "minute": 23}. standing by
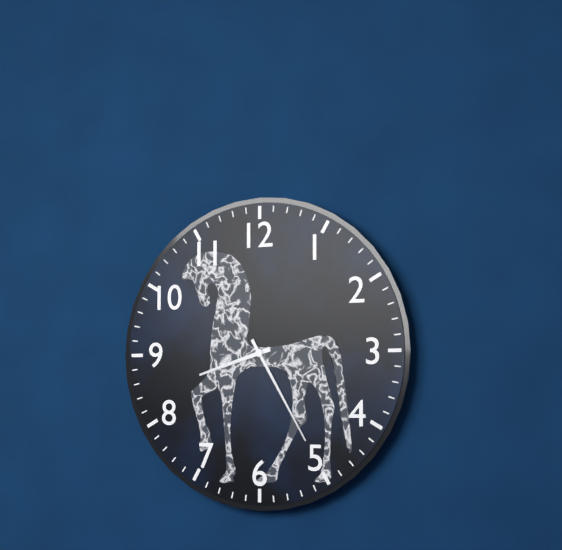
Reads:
{"hour": 8, "minute": 25}
